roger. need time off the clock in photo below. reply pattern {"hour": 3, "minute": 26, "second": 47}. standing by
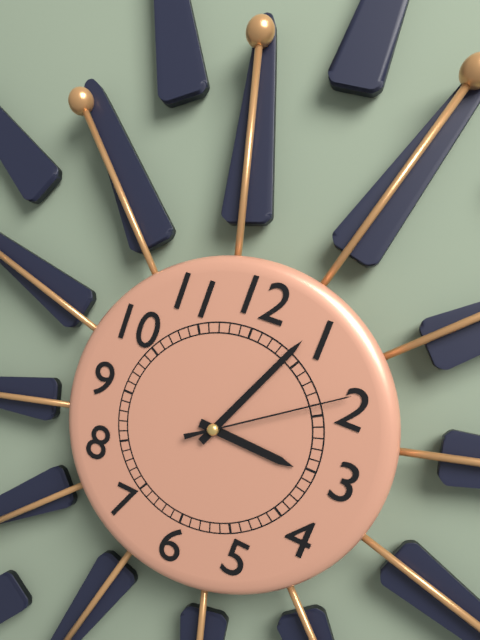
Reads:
{"hour": 3, "minute": 4, "second": 9}
